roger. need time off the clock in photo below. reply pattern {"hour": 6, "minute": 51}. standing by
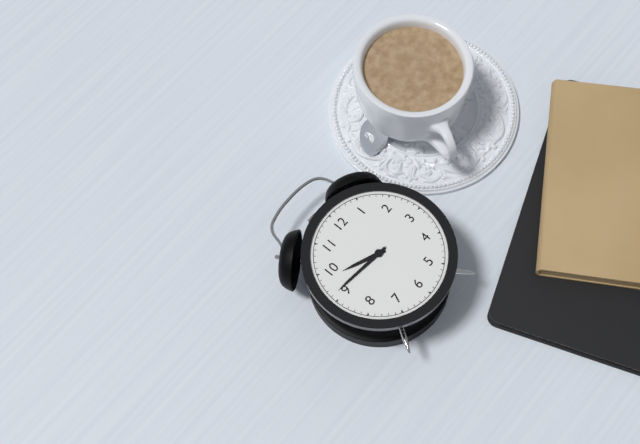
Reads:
{"hour": 9, "minute": 46}
